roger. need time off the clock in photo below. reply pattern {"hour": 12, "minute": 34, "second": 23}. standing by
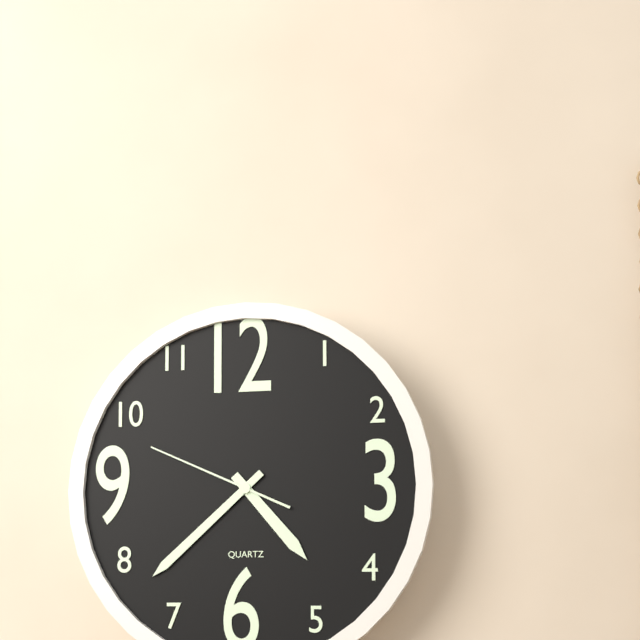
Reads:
{"hour": 4, "minute": 38, "second": 49}
